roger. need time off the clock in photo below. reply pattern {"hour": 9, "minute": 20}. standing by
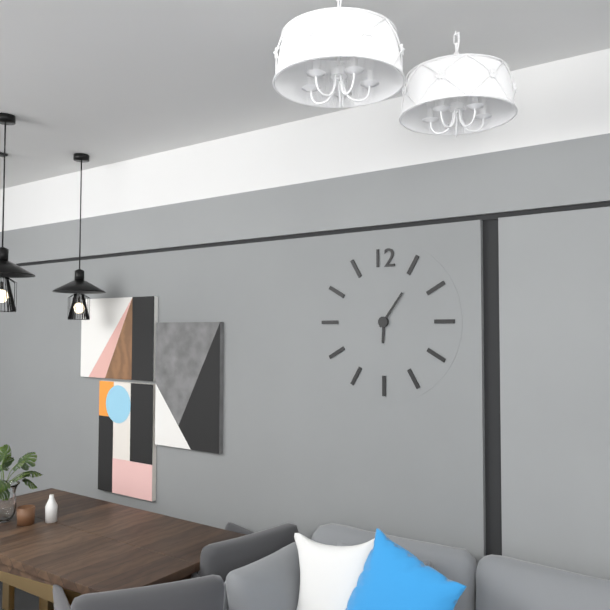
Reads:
{"hour": 6, "minute": 6}
